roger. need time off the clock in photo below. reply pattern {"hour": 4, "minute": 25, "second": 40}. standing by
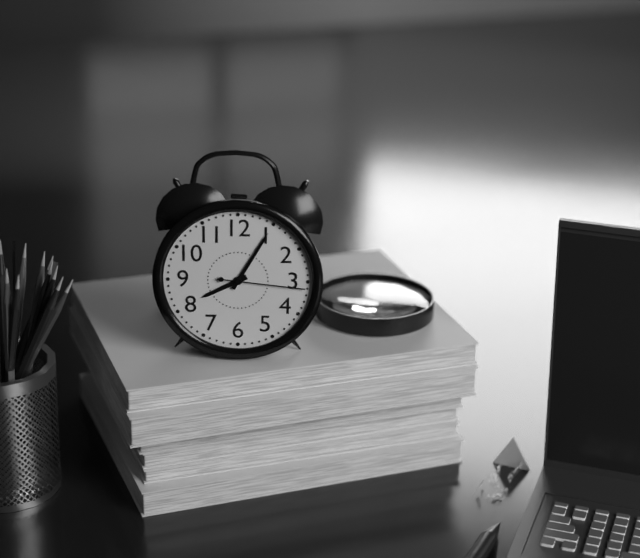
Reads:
{"hour": 8, "minute": 5, "second": 16}
